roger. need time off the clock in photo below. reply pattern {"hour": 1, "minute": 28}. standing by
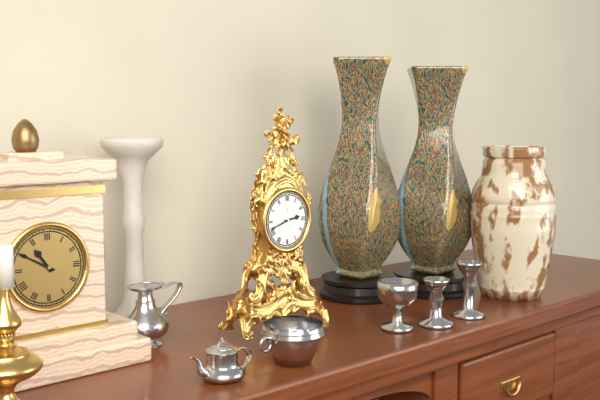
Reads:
{"hour": 2, "minute": 42}
